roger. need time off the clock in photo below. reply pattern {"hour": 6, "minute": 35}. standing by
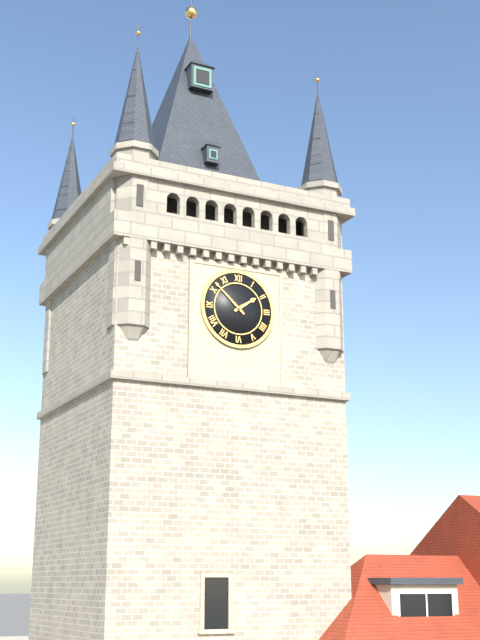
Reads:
{"hour": 1, "minute": 52}
